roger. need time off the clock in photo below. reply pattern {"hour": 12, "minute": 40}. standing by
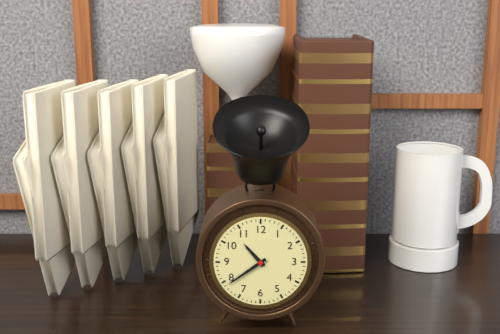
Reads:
{"hour": 10, "minute": 39}
